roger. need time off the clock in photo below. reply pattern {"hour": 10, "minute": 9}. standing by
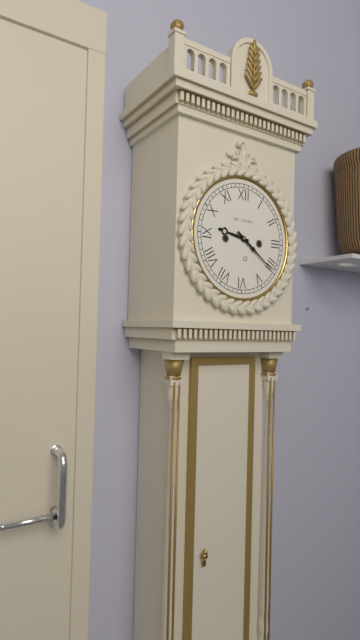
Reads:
{"hour": 9, "minute": 21}
